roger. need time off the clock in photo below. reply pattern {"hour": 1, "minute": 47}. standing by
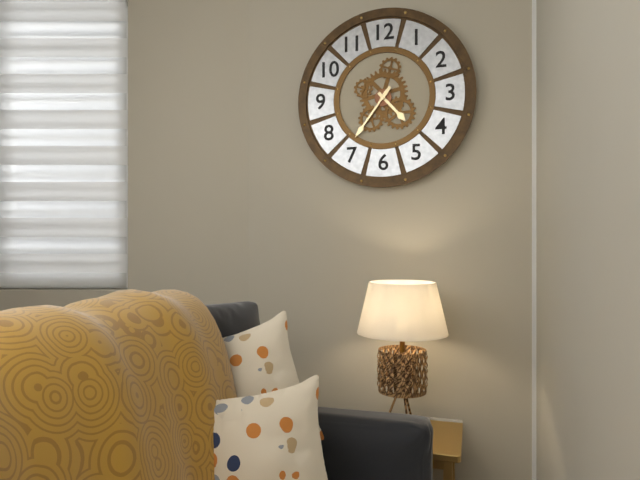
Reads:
{"hour": 4, "minute": 36}
